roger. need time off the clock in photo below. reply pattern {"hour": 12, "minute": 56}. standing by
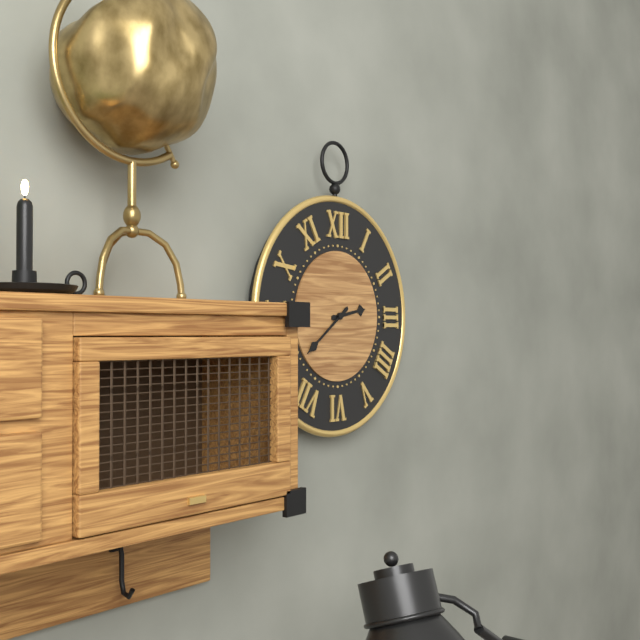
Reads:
{"hour": 2, "minute": 39}
